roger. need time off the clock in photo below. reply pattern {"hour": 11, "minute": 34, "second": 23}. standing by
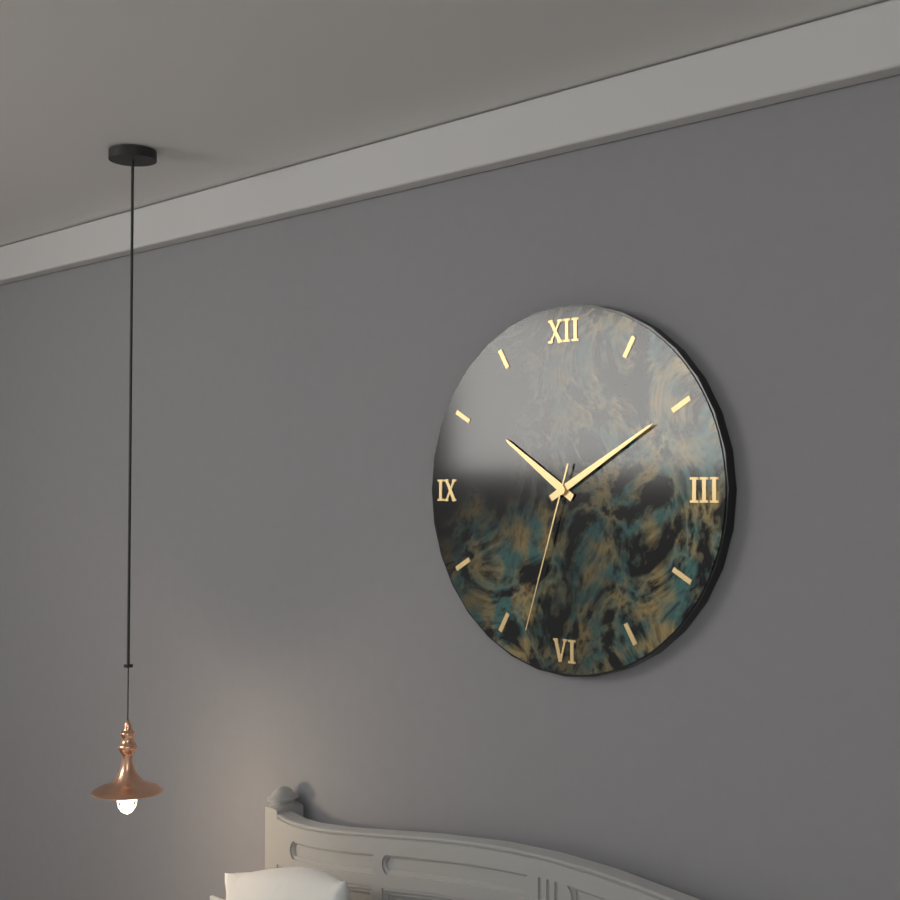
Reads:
{"hour": 10, "minute": 10, "second": 33}
